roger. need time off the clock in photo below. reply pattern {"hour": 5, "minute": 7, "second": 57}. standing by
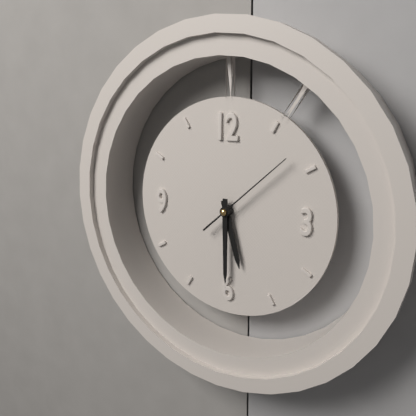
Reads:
{"hour": 5, "minute": 30, "second": 8}
